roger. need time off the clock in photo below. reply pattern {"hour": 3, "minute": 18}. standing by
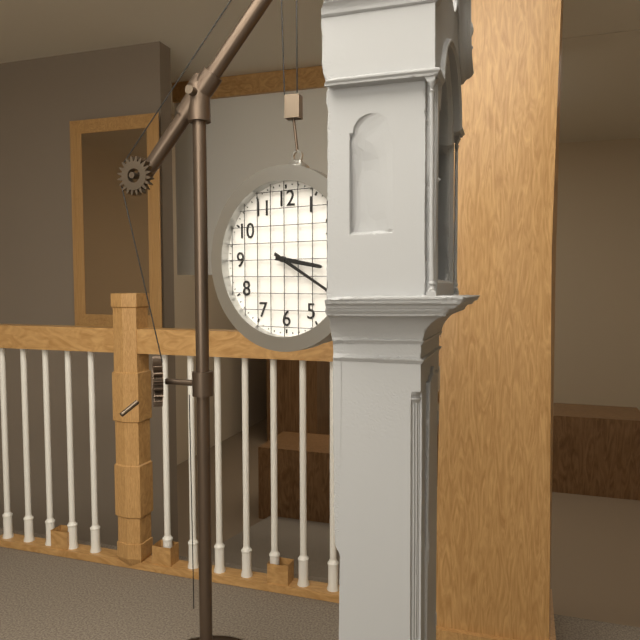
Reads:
{"hour": 3, "minute": 20}
